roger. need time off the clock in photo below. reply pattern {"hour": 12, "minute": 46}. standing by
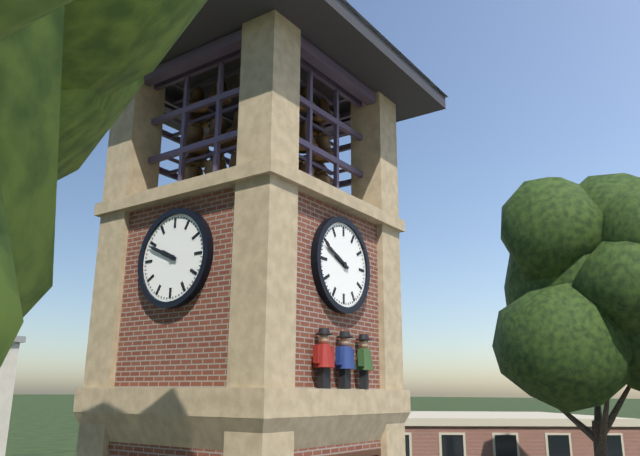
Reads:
{"hour": 9, "minute": 49}
